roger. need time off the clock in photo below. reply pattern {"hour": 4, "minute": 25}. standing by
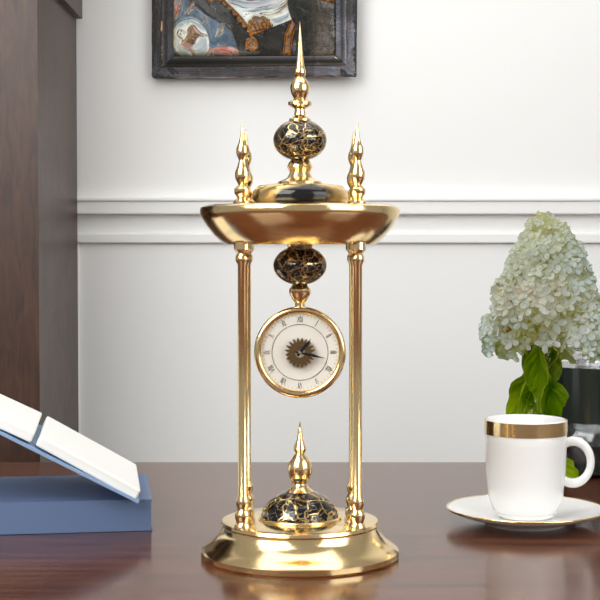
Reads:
{"hour": 1, "minute": 17}
